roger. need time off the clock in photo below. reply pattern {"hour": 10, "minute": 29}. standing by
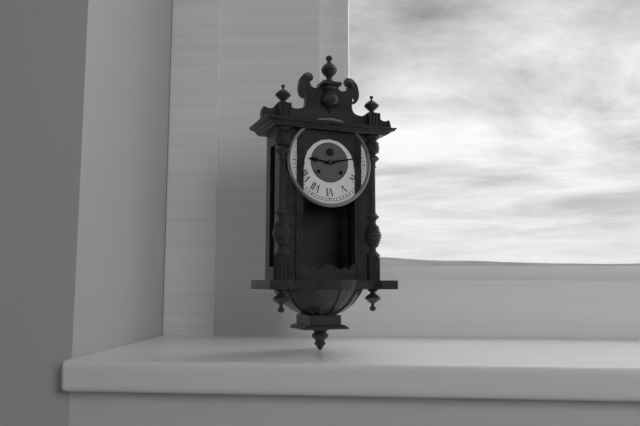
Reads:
{"hour": 9, "minute": 13}
